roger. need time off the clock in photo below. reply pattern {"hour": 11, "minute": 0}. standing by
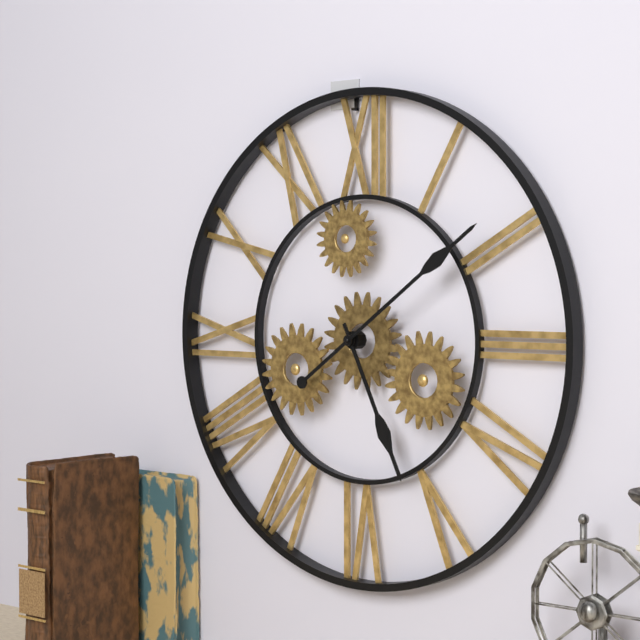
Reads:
{"hour": 5, "minute": 9}
